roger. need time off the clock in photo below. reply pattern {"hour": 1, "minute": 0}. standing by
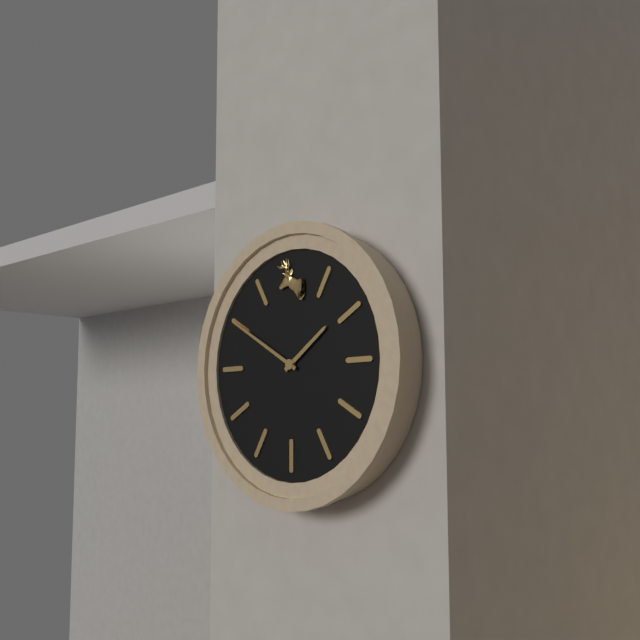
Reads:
{"hour": 1, "minute": 50}
